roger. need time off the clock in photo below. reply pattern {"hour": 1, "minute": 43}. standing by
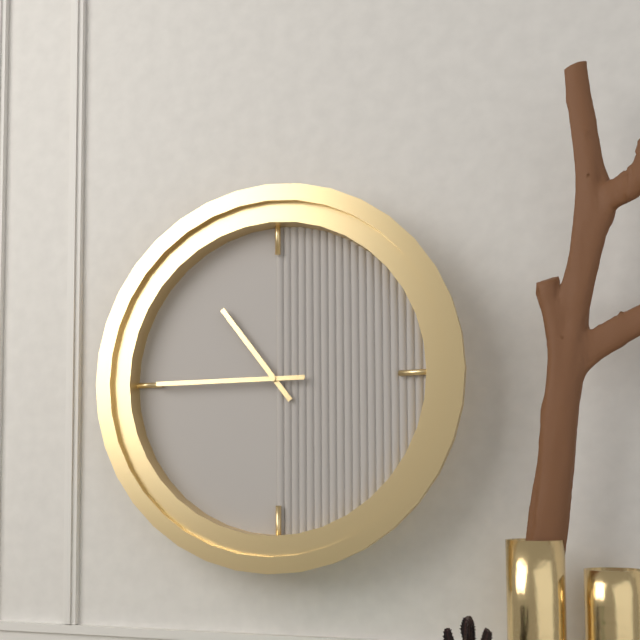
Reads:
{"hour": 10, "minute": 45}
